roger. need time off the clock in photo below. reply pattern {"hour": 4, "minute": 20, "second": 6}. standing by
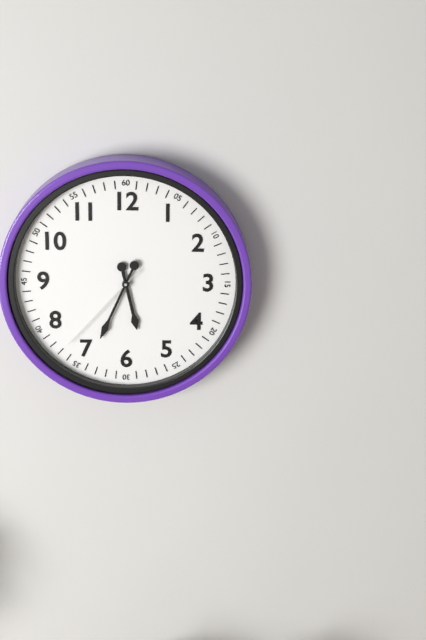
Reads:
{"hour": 5, "minute": 34, "second": 37}
